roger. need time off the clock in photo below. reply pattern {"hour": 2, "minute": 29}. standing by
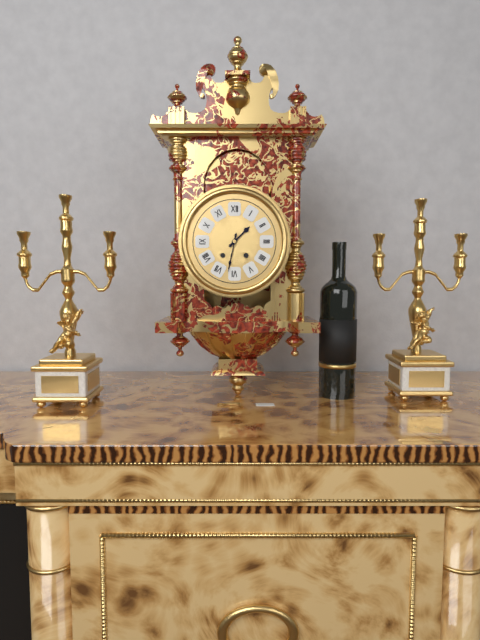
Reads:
{"hour": 1, "minute": 32}
